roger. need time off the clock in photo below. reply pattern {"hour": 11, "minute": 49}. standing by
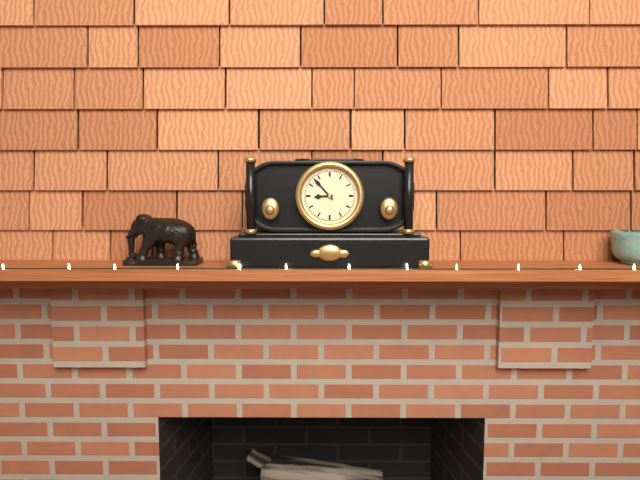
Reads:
{"hour": 8, "minute": 53}
